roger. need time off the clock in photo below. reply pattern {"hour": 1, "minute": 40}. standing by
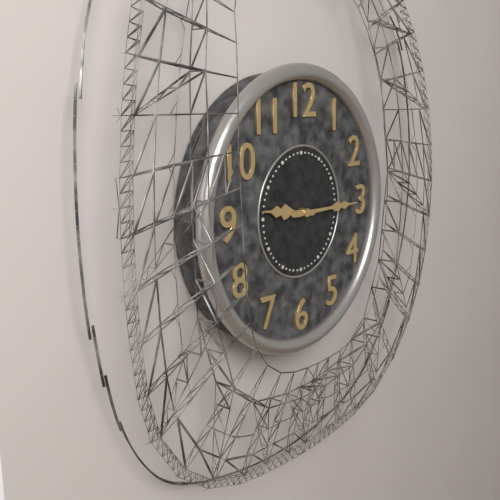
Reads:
{"hour": 9, "minute": 15}
